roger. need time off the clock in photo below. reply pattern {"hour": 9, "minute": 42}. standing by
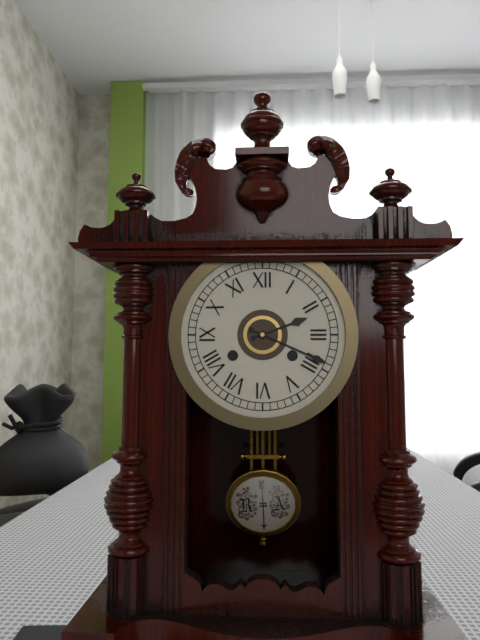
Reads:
{"hour": 2, "minute": 19}
